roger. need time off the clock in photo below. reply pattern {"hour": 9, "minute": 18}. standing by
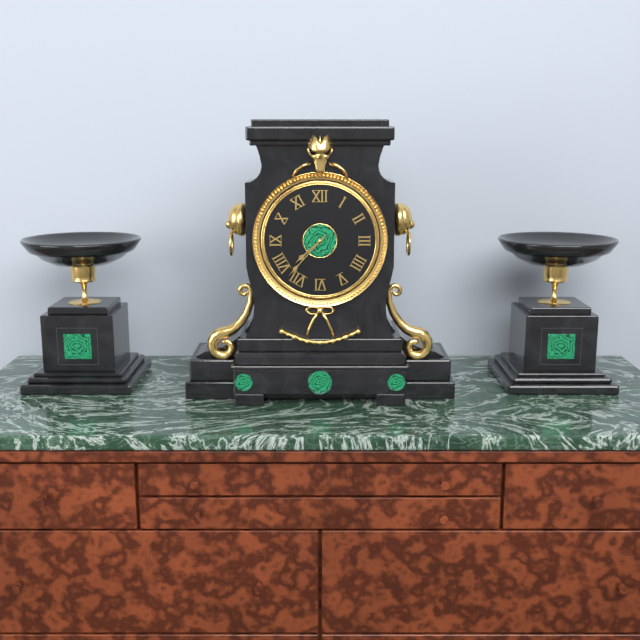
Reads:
{"hour": 7, "minute": 37}
